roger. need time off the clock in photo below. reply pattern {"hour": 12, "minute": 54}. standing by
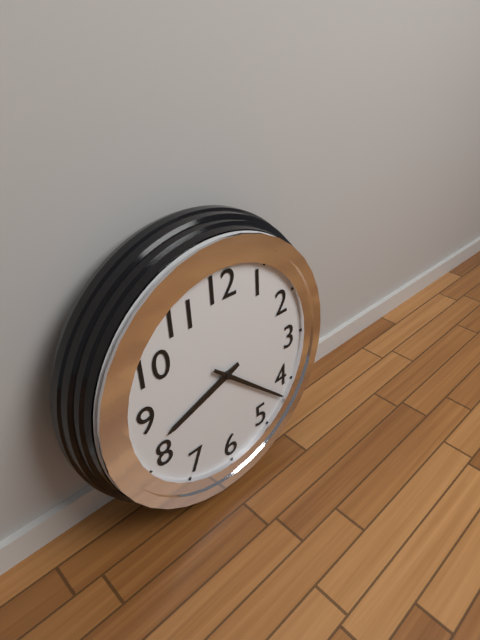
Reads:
{"hour": 8, "minute": 22}
